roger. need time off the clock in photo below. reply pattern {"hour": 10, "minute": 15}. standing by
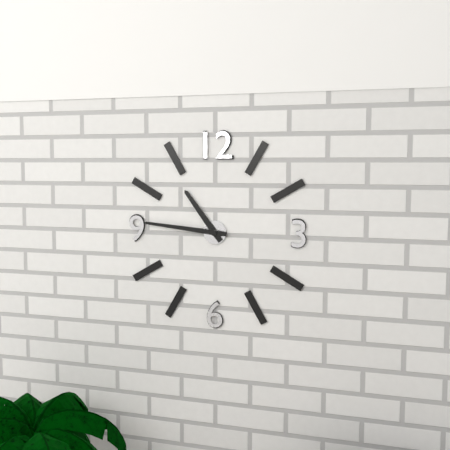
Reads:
{"hour": 10, "minute": 46}
